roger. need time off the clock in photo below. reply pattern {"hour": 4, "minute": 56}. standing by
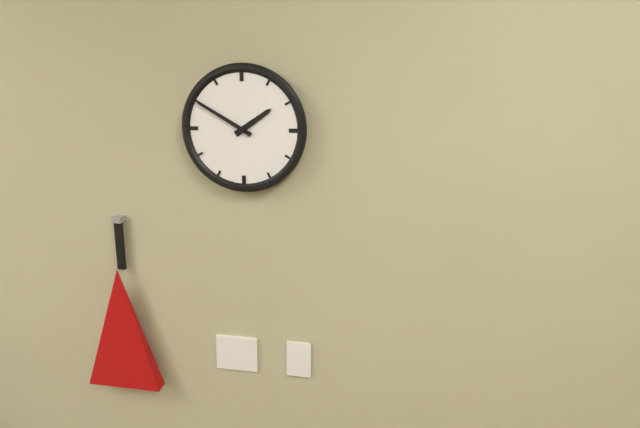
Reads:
{"hour": 1, "minute": 50}
